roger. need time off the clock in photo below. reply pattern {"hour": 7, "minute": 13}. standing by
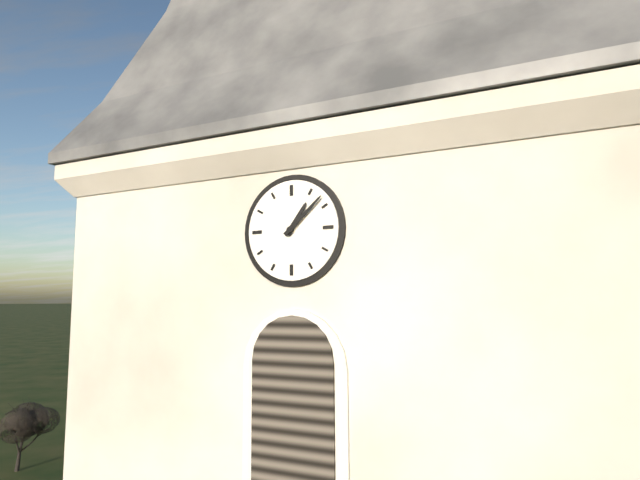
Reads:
{"hour": 1, "minute": 8}
